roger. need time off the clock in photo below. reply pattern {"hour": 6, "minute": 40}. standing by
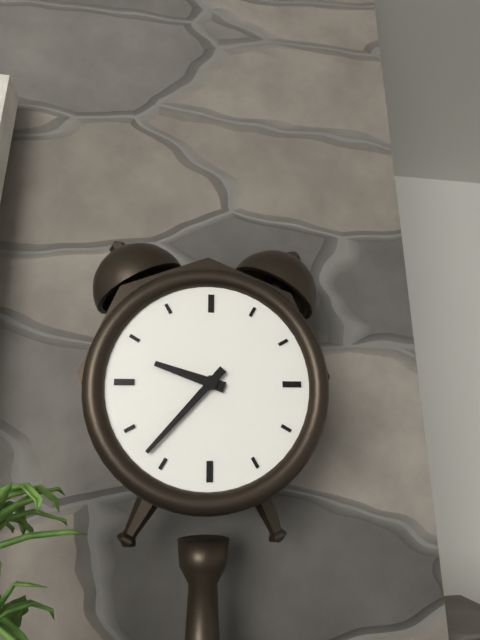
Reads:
{"hour": 9, "minute": 37}
